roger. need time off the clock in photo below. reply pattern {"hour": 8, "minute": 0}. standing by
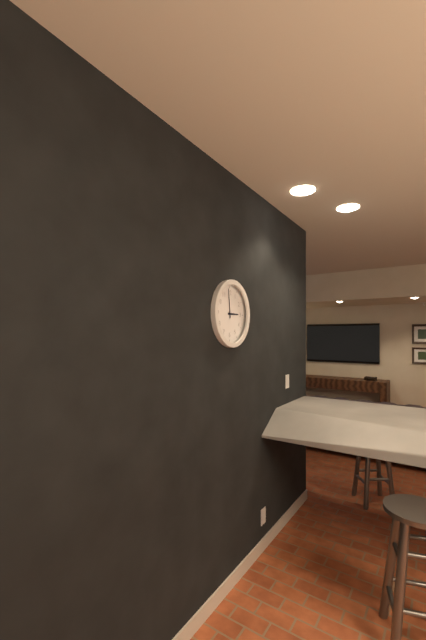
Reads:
{"hour": 2, "minute": 59}
